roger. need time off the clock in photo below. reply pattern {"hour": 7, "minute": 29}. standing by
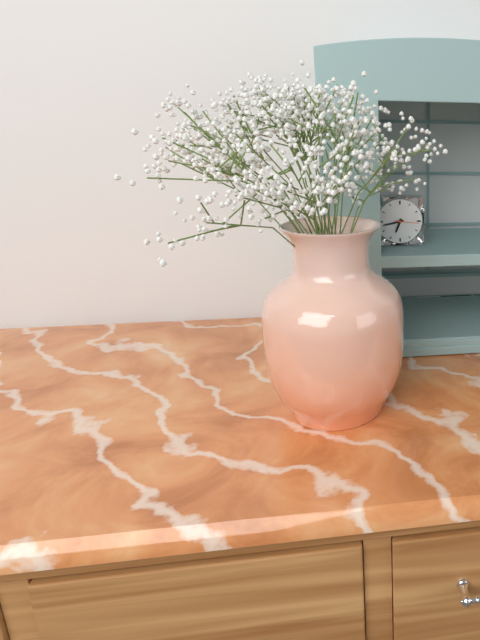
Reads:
{"hour": 6, "minute": 43}
